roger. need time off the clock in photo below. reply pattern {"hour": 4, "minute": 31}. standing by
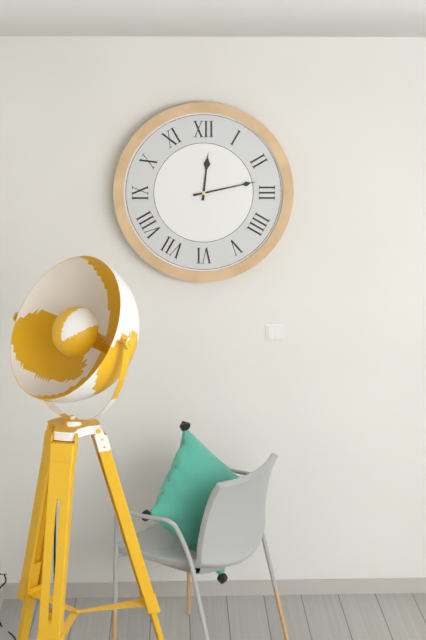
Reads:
{"hour": 12, "minute": 13}
